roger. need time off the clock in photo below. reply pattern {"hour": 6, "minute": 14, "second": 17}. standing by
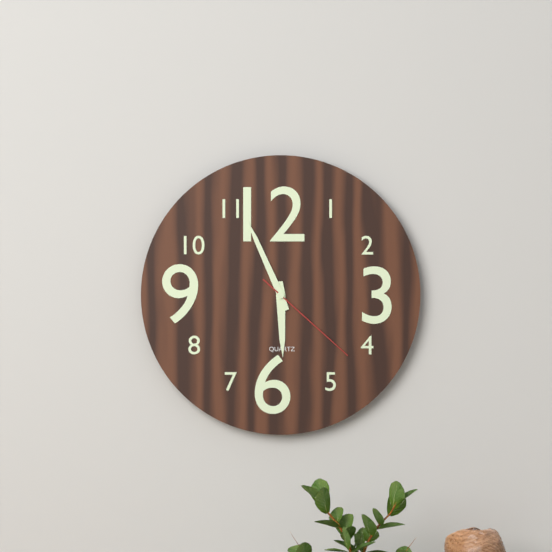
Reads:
{"hour": 5, "minute": 56, "second": 22}
